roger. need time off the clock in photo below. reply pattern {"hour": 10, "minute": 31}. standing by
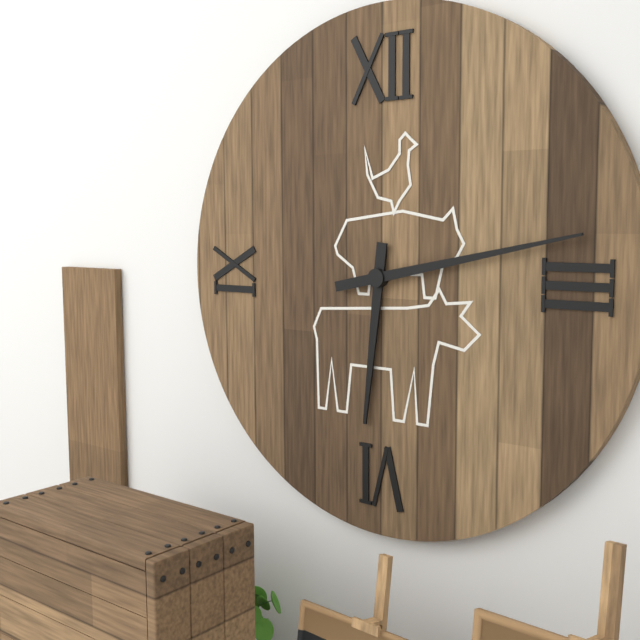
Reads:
{"hour": 6, "minute": 13}
